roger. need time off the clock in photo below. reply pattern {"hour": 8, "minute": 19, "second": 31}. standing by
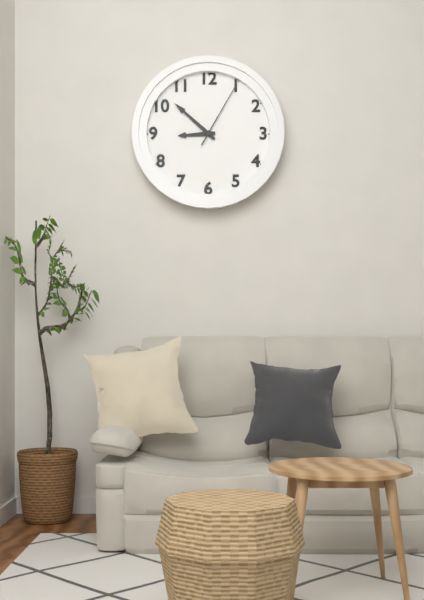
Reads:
{"hour": 8, "minute": 52, "second": 5}
